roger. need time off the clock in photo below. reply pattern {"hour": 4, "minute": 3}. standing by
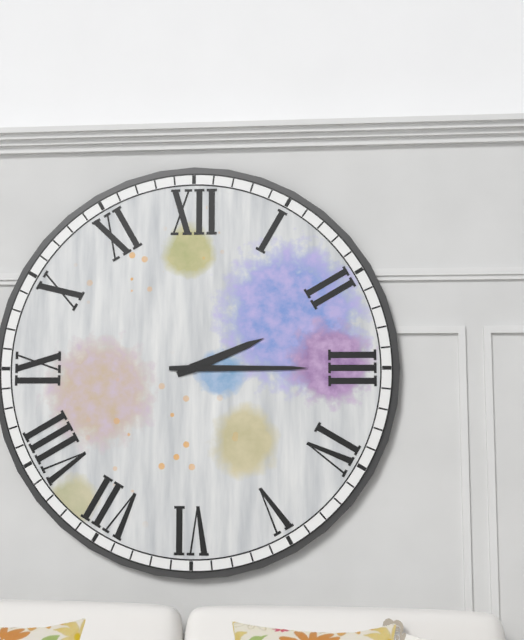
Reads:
{"hour": 2, "minute": 15}
